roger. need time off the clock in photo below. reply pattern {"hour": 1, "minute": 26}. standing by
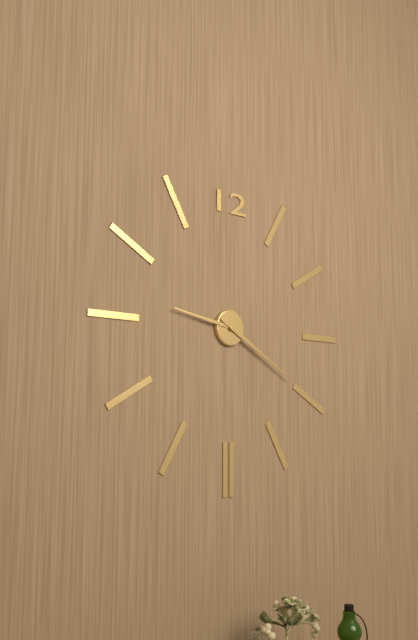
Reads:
{"hour": 9, "minute": 20}
